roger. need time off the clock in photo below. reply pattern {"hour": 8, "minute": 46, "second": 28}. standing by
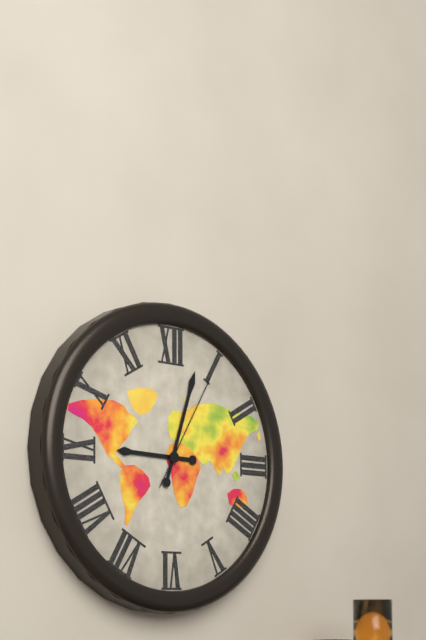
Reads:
{"hour": 9, "minute": 3, "second": 5}
